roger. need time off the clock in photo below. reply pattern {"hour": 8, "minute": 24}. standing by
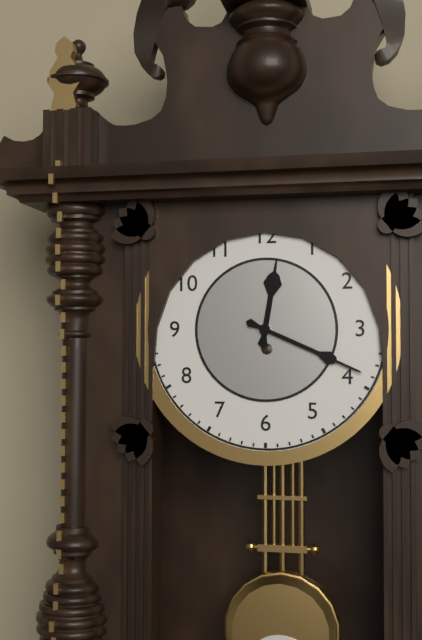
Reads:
{"hour": 12, "minute": 19}
